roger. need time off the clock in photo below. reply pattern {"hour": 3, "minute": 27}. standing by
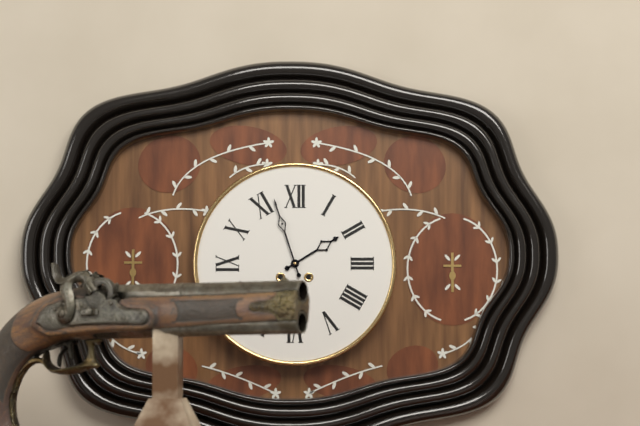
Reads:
{"hour": 1, "minute": 57}
